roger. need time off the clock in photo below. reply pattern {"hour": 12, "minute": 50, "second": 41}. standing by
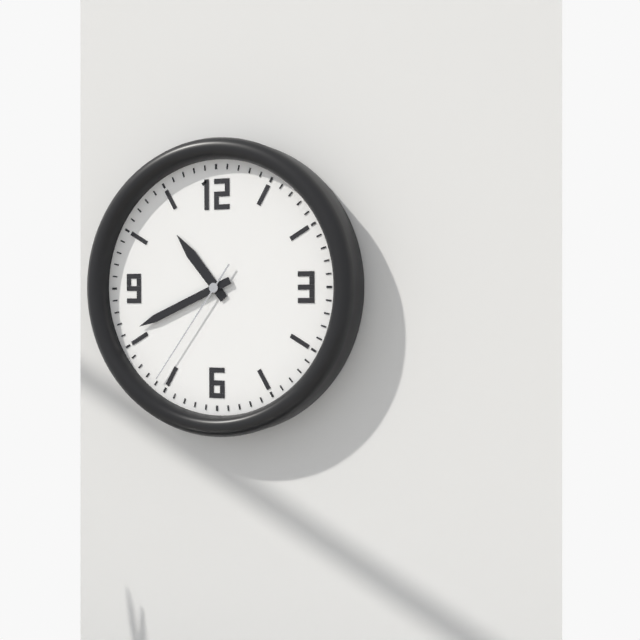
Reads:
{"hour": 10, "minute": 41, "second": 36}
